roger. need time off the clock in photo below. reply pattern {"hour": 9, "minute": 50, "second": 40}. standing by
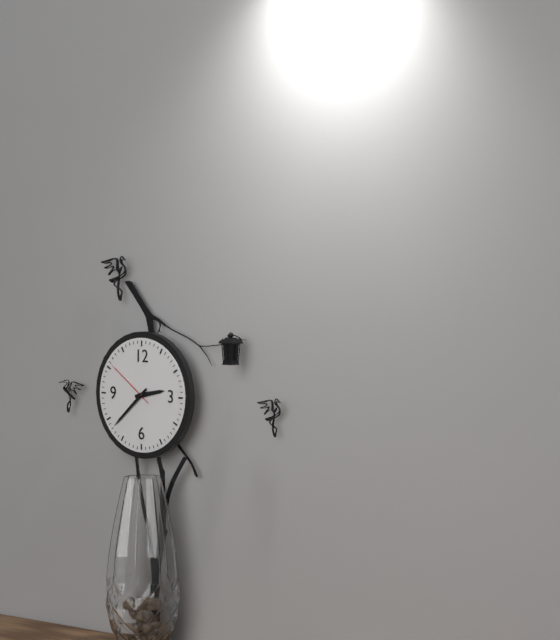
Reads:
{"hour": 2, "minute": 38, "second": 51}
